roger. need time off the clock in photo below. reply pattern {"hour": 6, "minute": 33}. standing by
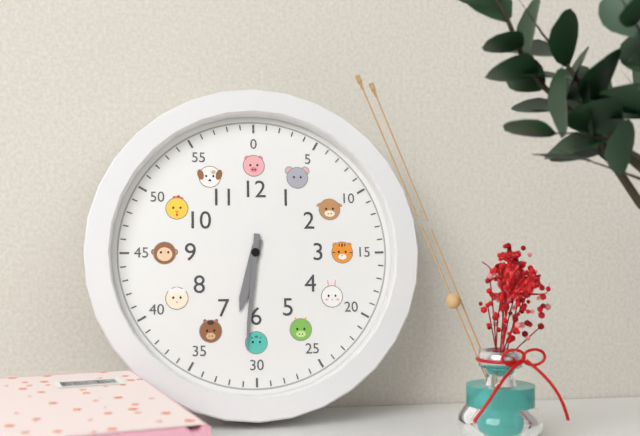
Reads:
{"hour": 6, "minute": 31}
